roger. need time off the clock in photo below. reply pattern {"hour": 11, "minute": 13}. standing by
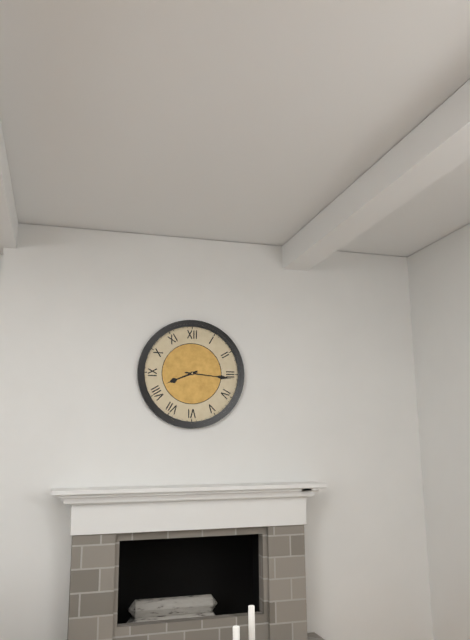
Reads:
{"hour": 8, "minute": 16}
